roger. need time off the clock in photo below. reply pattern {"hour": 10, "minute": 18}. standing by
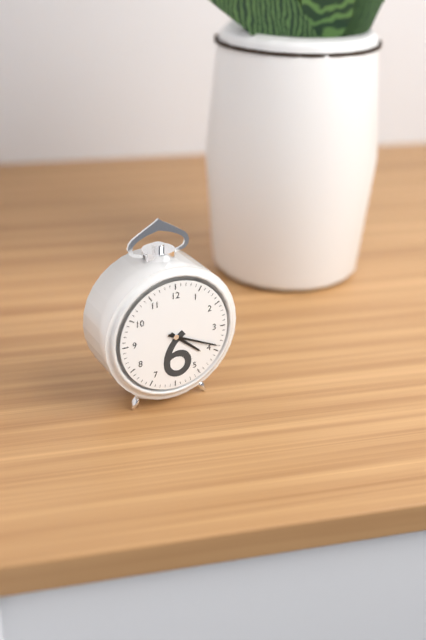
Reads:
{"hour": 4, "minute": 19}
